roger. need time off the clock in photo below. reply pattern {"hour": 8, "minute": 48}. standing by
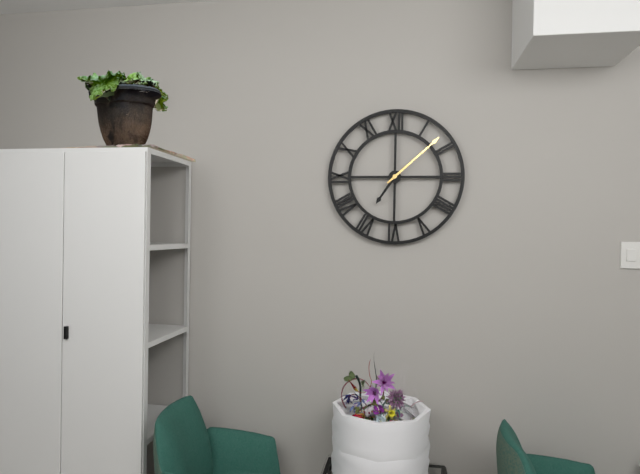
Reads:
{"hour": 7, "minute": 8}
